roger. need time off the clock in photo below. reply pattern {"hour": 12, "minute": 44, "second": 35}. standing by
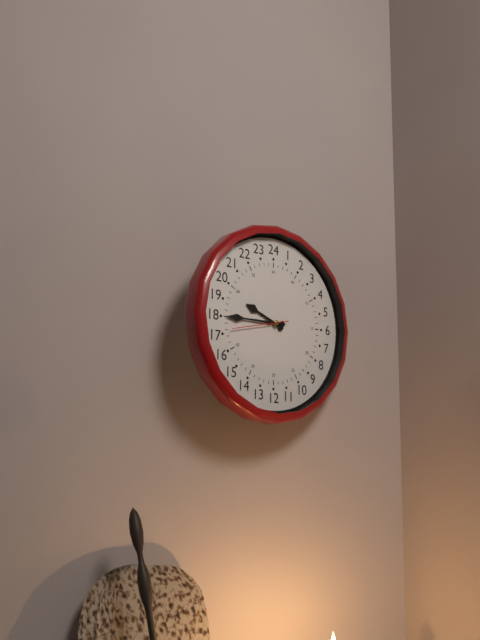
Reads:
{"hour": 9, "minute": 45, "second": 43}
